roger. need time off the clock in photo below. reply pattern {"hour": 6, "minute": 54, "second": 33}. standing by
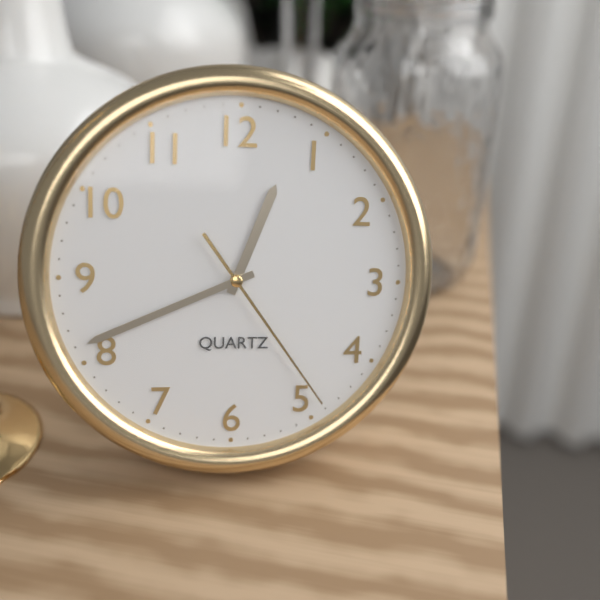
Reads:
{"hour": 12, "minute": 41, "second": 24}
